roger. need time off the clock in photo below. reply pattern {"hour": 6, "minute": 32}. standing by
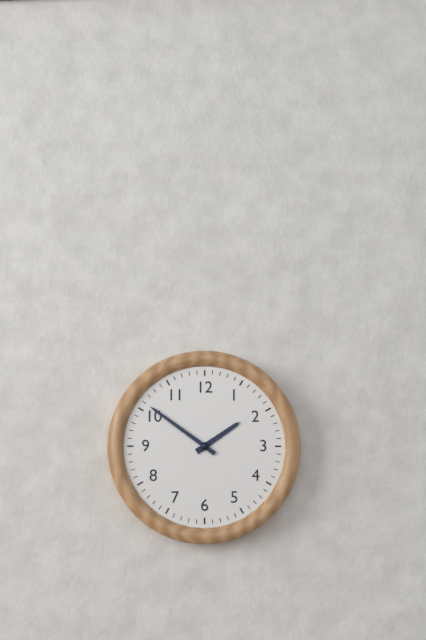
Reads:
{"hour": 1, "minute": 51}
